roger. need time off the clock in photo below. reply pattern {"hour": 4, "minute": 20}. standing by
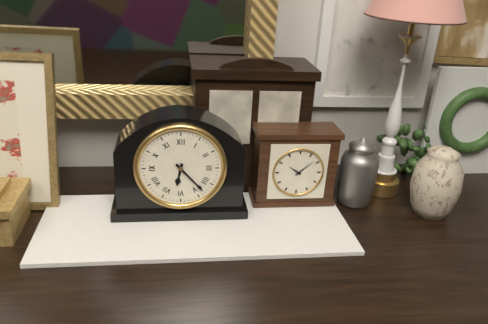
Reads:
{"hour": 6, "minute": 23}
